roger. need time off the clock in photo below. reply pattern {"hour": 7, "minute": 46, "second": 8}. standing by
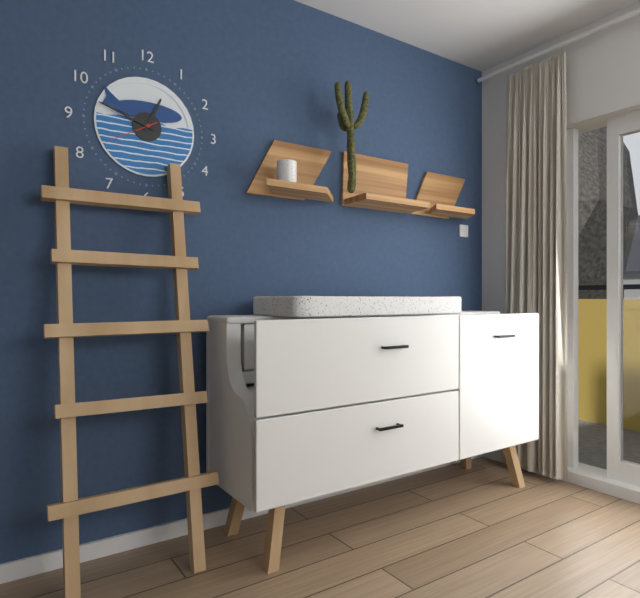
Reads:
{"hour": 12, "minute": 48, "second": 40}
